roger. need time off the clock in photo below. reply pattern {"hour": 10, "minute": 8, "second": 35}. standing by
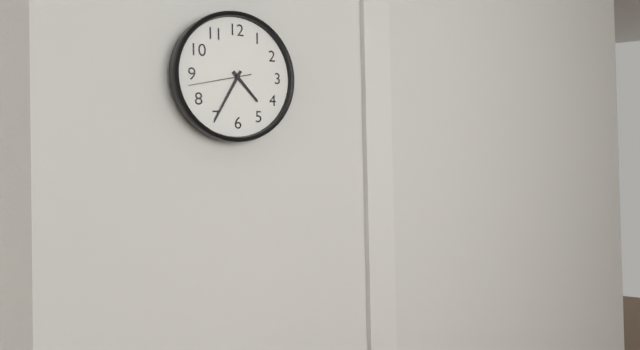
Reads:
{"hour": 4, "minute": 35, "second": 43}
